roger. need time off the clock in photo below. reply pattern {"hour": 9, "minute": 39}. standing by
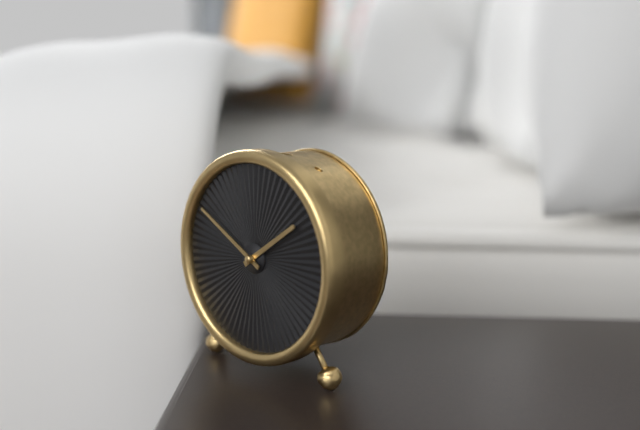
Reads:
{"hour": 1, "minute": 50}
